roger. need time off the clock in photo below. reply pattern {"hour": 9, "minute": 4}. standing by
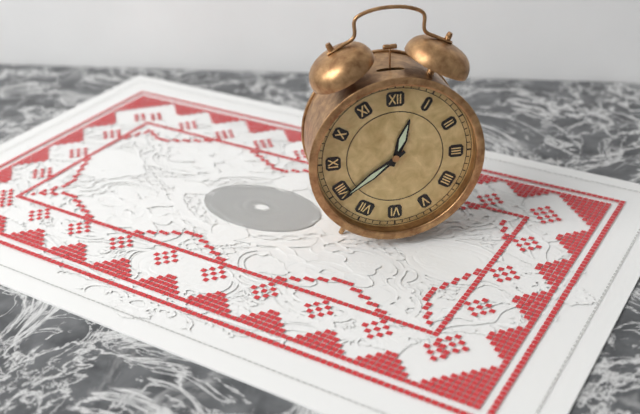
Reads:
{"hour": 12, "minute": 39}
